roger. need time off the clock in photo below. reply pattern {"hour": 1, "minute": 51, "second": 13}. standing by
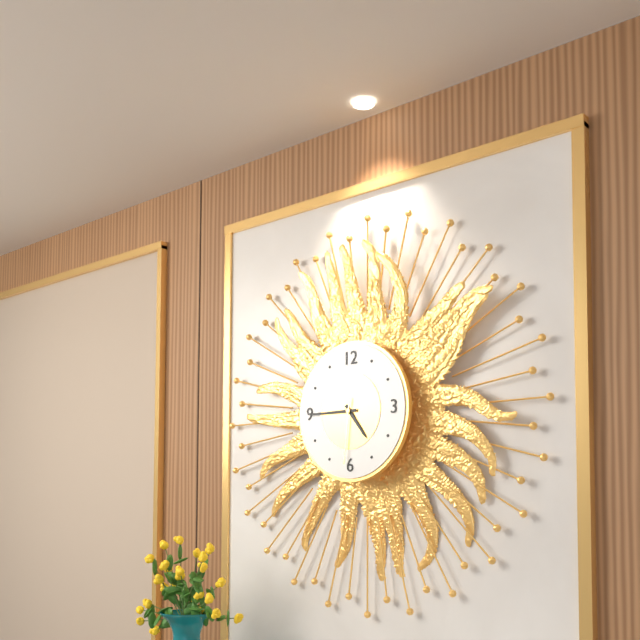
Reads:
{"hour": 4, "minute": 45, "second": 31}
